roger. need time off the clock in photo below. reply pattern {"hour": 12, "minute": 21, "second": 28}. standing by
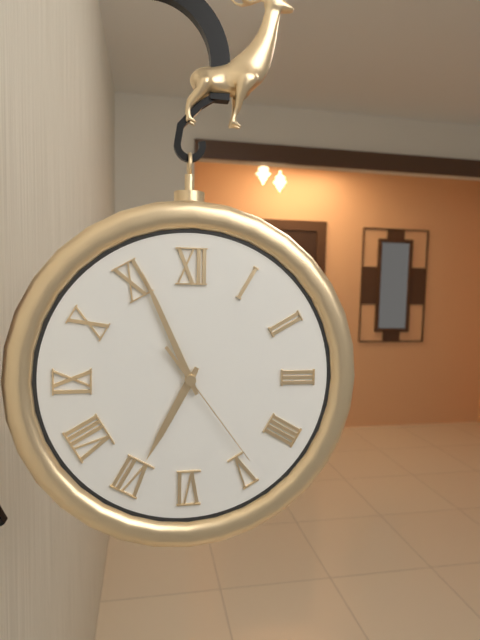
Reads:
{"hour": 6, "minute": 56, "second": 24}
